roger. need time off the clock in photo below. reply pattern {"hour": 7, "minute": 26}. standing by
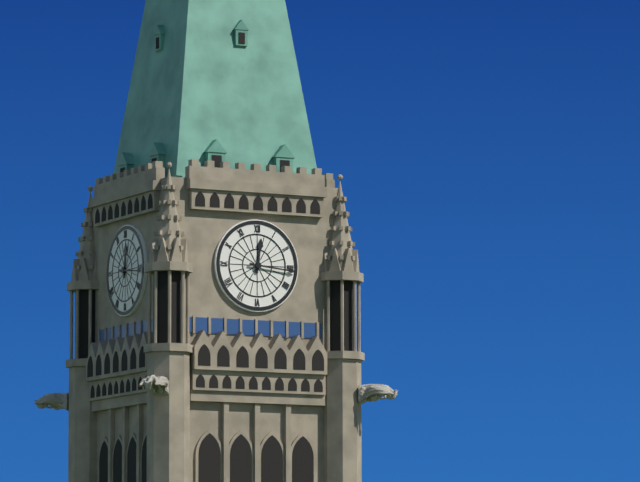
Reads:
{"hour": 12, "minute": 16}
